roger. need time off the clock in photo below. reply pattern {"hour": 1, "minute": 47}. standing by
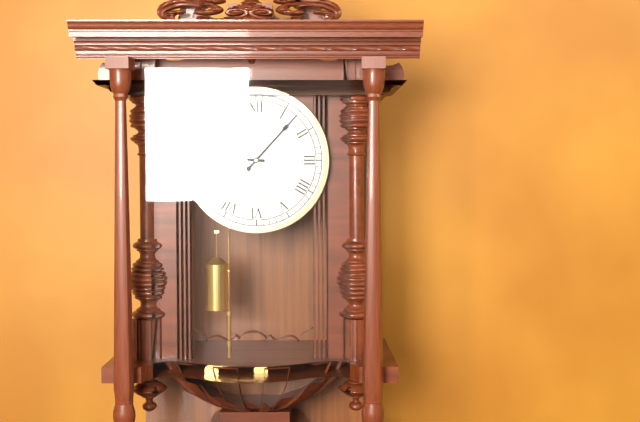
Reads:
{"hour": 9, "minute": 7}
